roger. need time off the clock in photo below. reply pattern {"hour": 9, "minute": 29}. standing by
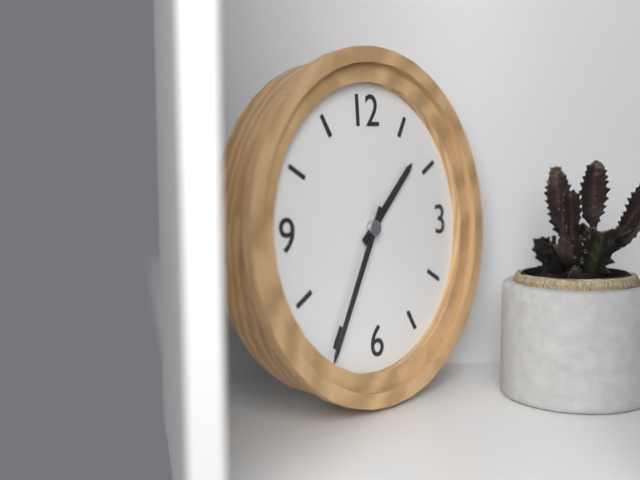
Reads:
{"hour": 1, "minute": 35}
